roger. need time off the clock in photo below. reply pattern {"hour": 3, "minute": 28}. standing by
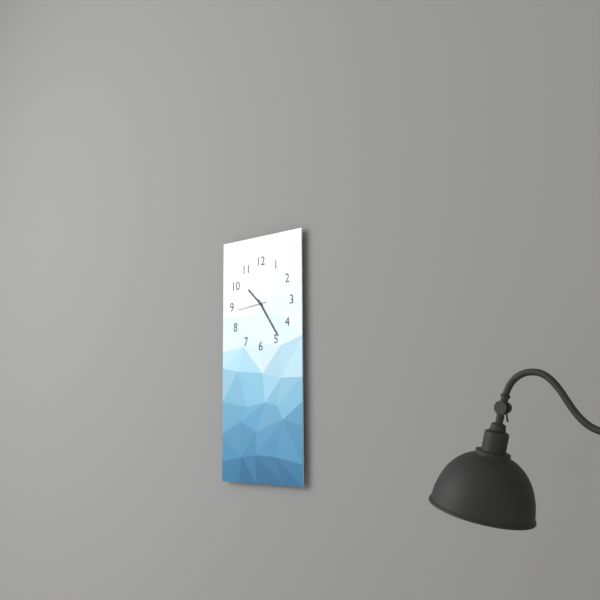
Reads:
{"hour": 10, "minute": 24}
